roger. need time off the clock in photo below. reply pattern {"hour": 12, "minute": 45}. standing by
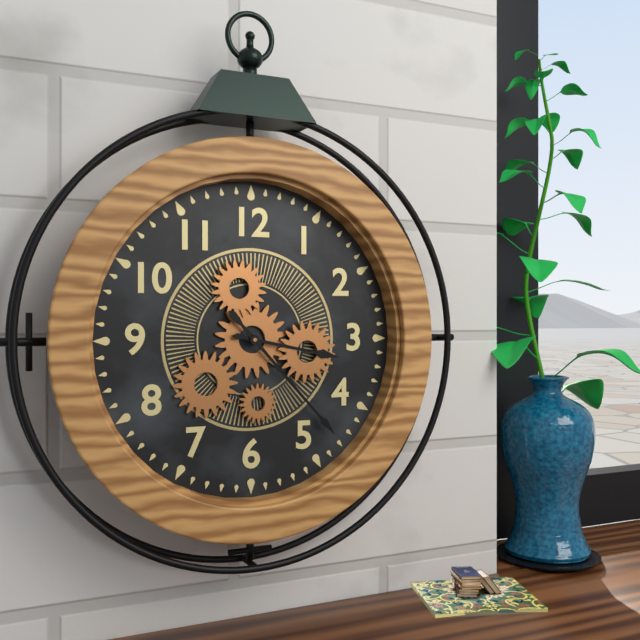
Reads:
{"hour": 3, "minute": 23}
